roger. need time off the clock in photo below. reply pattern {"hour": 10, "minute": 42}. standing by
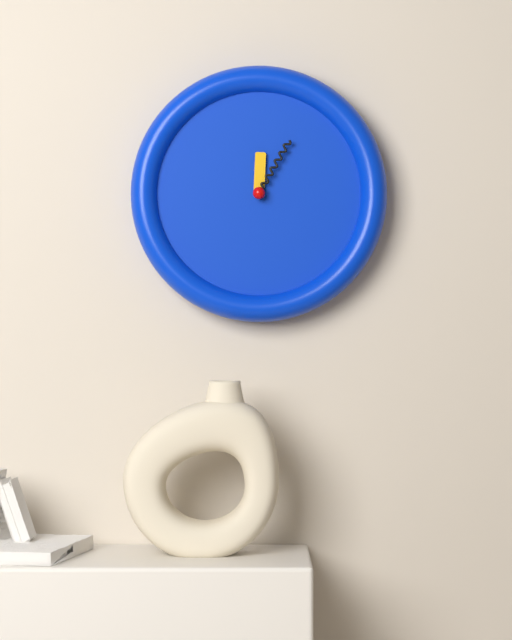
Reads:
{"hour": 12, "minute": 5}
